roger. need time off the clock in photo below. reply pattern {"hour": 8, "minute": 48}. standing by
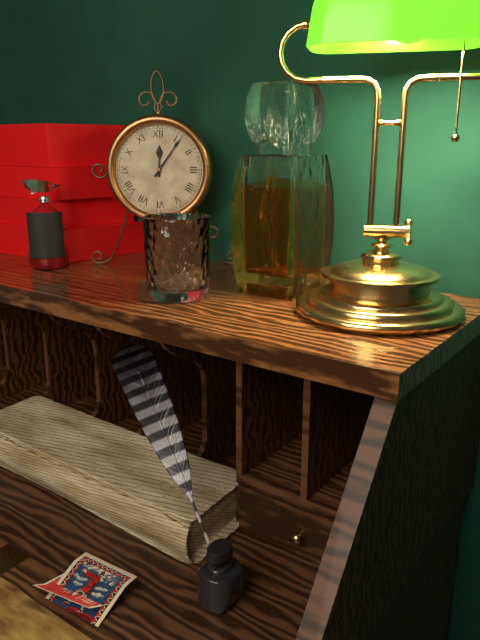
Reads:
{"hour": 12, "minute": 6}
